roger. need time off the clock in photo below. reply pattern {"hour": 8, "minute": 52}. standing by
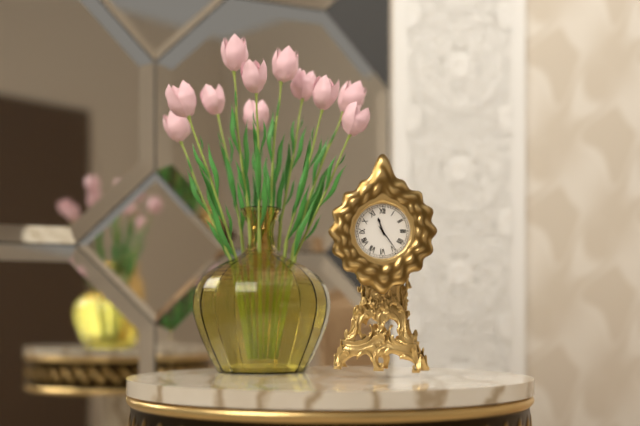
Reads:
{"hour": 11, "minute": 24}
